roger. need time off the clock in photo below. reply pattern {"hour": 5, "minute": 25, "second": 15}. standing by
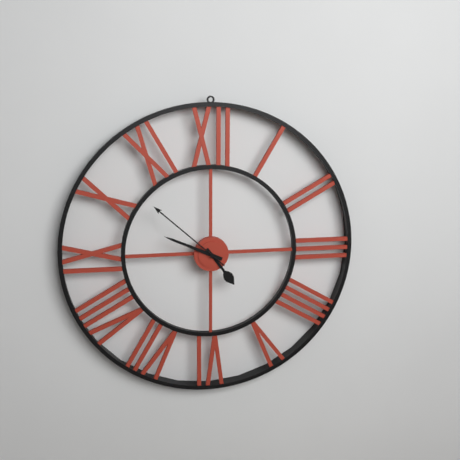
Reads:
{"hour": 4, "minute": 49, "second": 52}
